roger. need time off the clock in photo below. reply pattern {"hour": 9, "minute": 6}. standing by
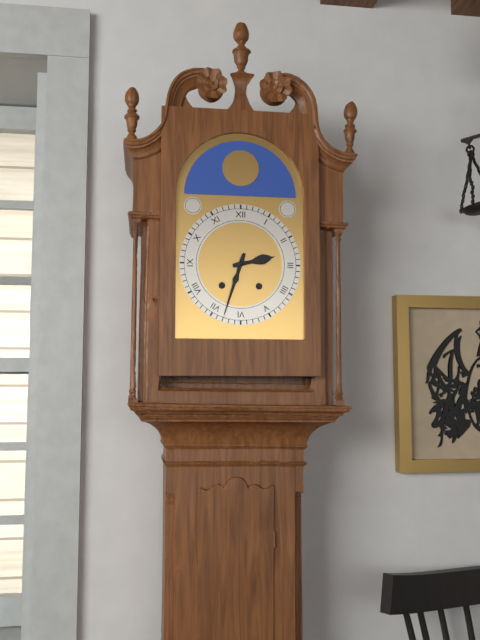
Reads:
{"hour": 2, "minute": 33}
